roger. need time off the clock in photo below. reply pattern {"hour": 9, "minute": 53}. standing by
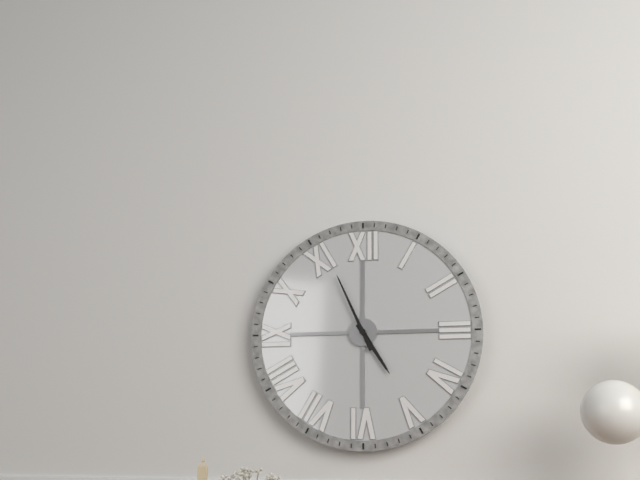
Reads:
{"hour": 4, "minute": 56}
